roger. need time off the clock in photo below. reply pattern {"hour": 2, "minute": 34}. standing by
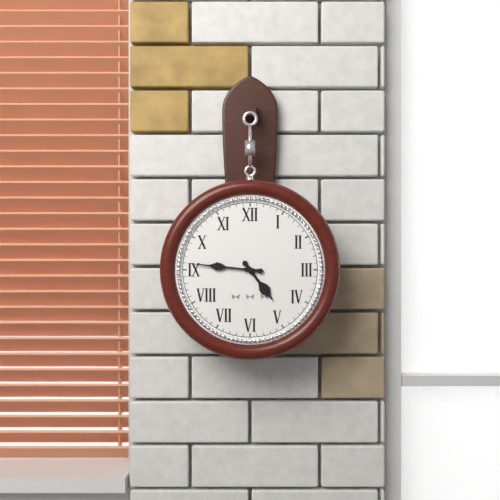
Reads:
{"hour": 4, "minute": 46}
